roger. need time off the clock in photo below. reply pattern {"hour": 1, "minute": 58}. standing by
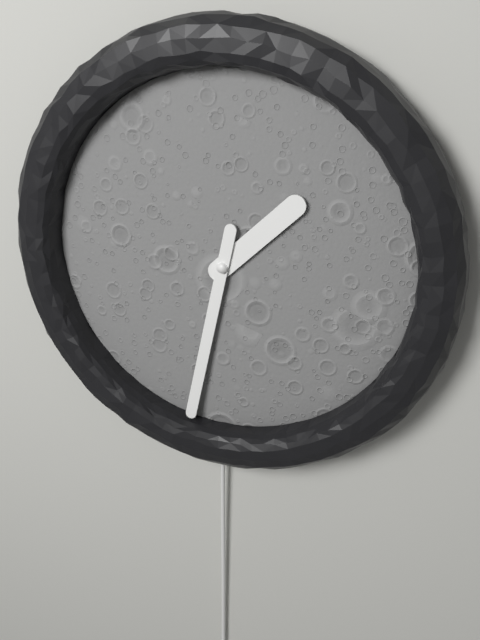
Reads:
{"hour": 1, "minute": 32}
